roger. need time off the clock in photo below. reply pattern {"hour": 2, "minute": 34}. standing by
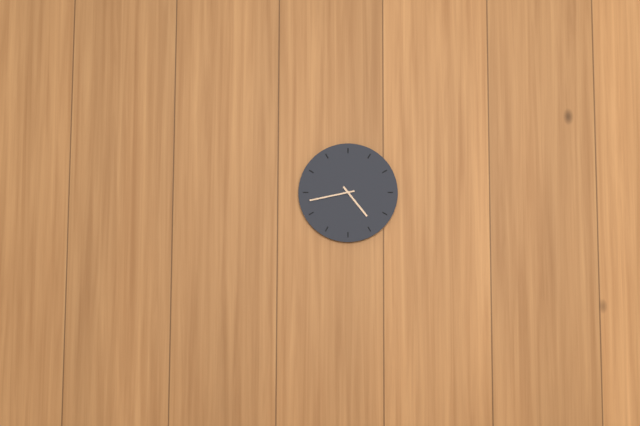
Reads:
{"hour": 4, "minute": 43}
